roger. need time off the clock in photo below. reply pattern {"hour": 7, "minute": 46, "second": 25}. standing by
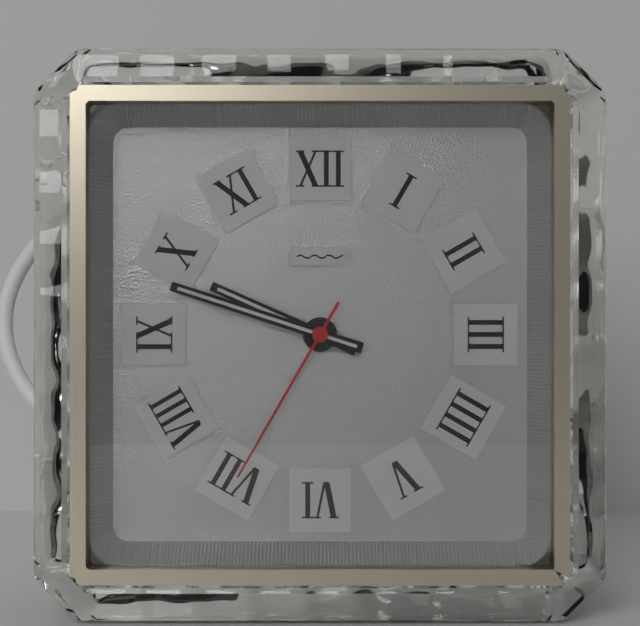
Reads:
{"hour": 9, "minute": 48, "second": 35}
